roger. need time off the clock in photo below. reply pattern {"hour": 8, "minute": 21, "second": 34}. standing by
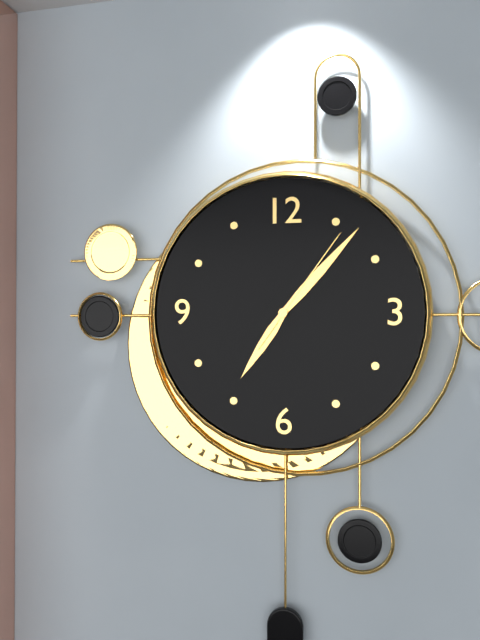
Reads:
{"hour": 7, "minute": 7, "second": 6}
